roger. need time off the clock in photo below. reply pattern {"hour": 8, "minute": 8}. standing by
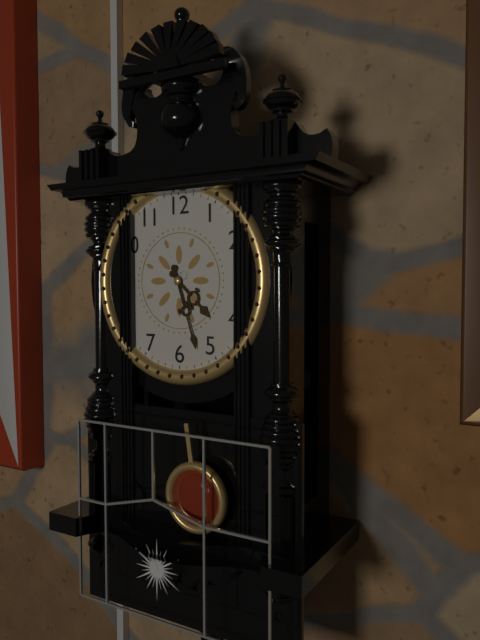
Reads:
{"hour": 4, "minute": 27}
